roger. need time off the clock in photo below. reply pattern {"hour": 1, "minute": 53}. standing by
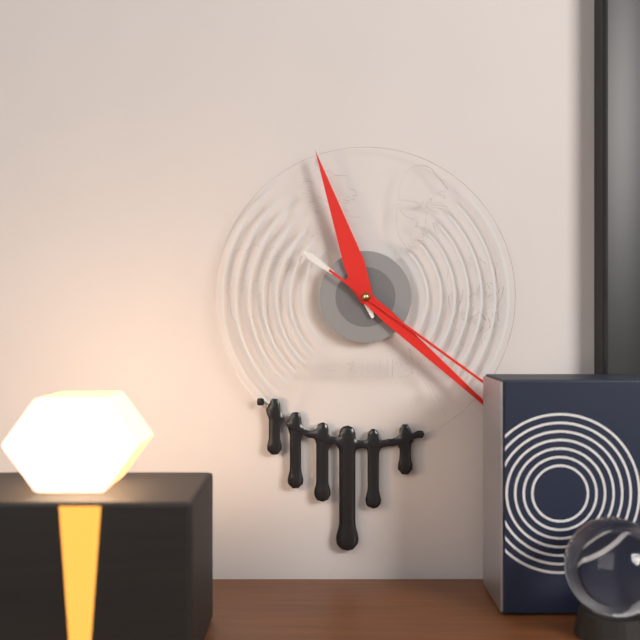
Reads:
{"hour": 11, "minute": 22}
